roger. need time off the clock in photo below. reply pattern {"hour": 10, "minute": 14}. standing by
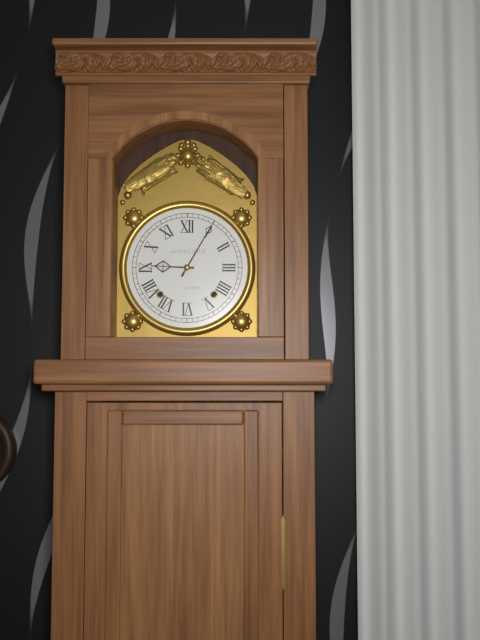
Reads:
{"hour": 9, "minute": 5}
